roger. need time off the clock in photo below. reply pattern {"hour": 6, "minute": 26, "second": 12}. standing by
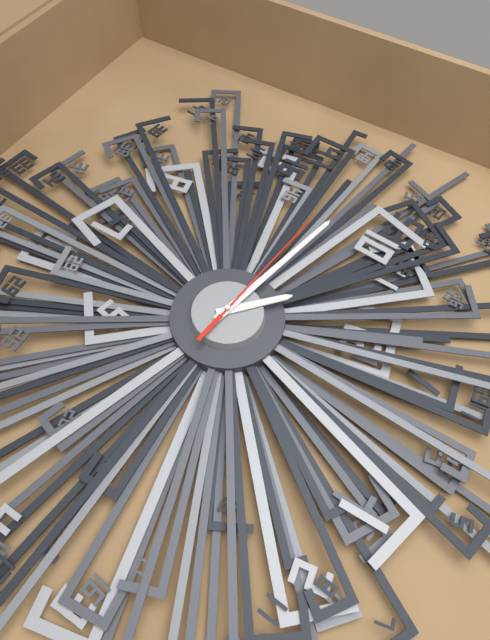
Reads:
{"hour": 10, "minute": 49, "second": 48}
